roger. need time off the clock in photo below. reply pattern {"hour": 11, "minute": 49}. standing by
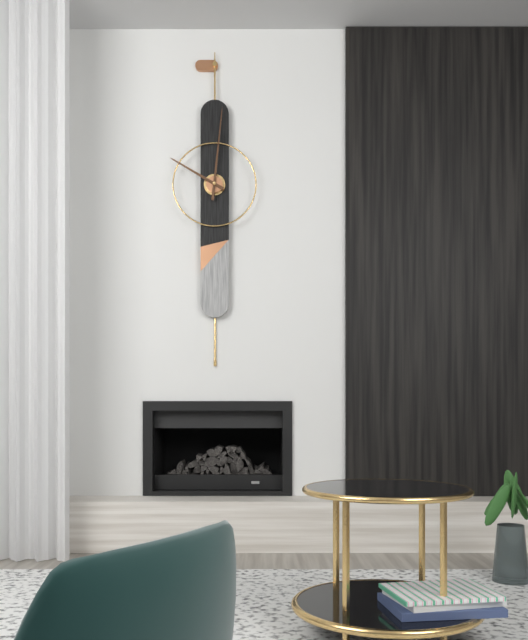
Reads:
{"hour": 10, "minute": 1}
